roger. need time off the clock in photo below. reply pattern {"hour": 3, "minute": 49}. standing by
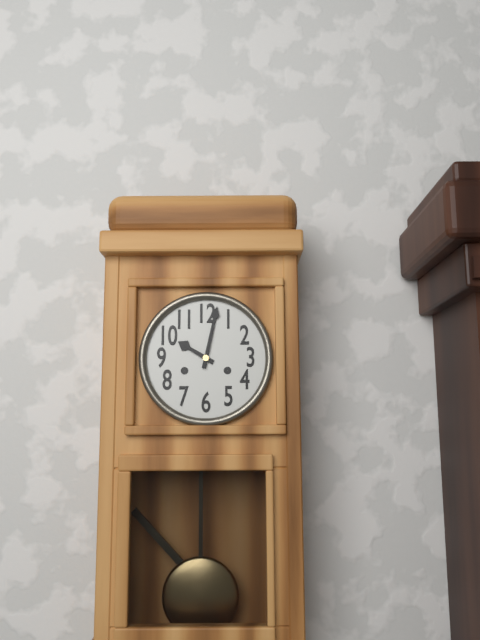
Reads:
{"hour": 10, "minute": 2}
